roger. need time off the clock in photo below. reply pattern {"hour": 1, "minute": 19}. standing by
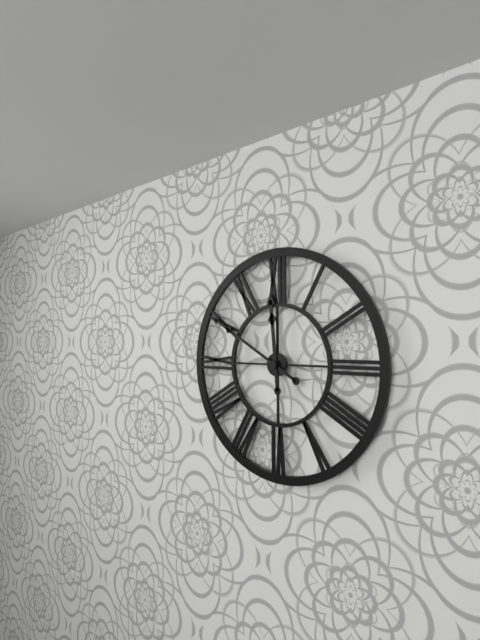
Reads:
{"hour": 11, "minute": 50}
